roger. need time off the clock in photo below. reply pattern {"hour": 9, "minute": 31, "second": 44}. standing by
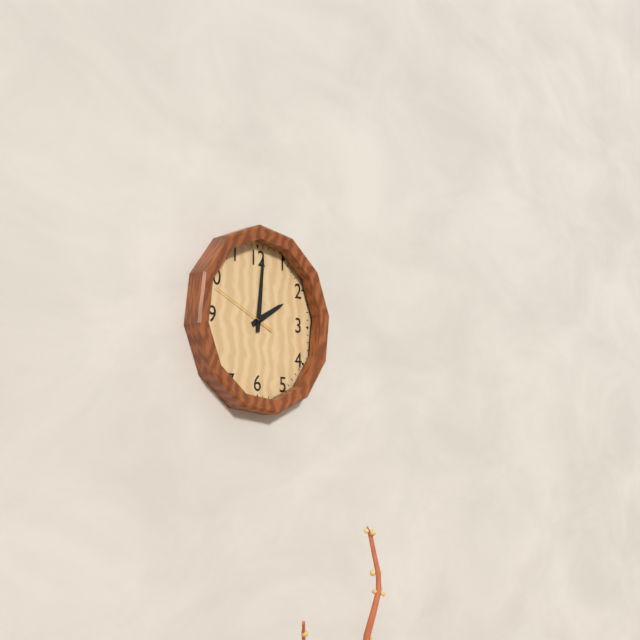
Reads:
{"hour": 2, "minute": 1, "second": 49}
